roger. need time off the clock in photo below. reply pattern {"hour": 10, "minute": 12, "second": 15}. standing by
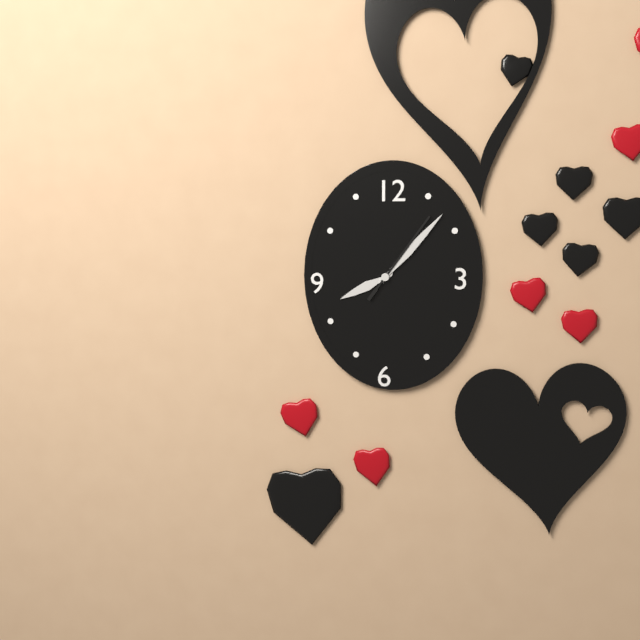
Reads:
{"hour": 8, "minute": 7, "second": 6}
